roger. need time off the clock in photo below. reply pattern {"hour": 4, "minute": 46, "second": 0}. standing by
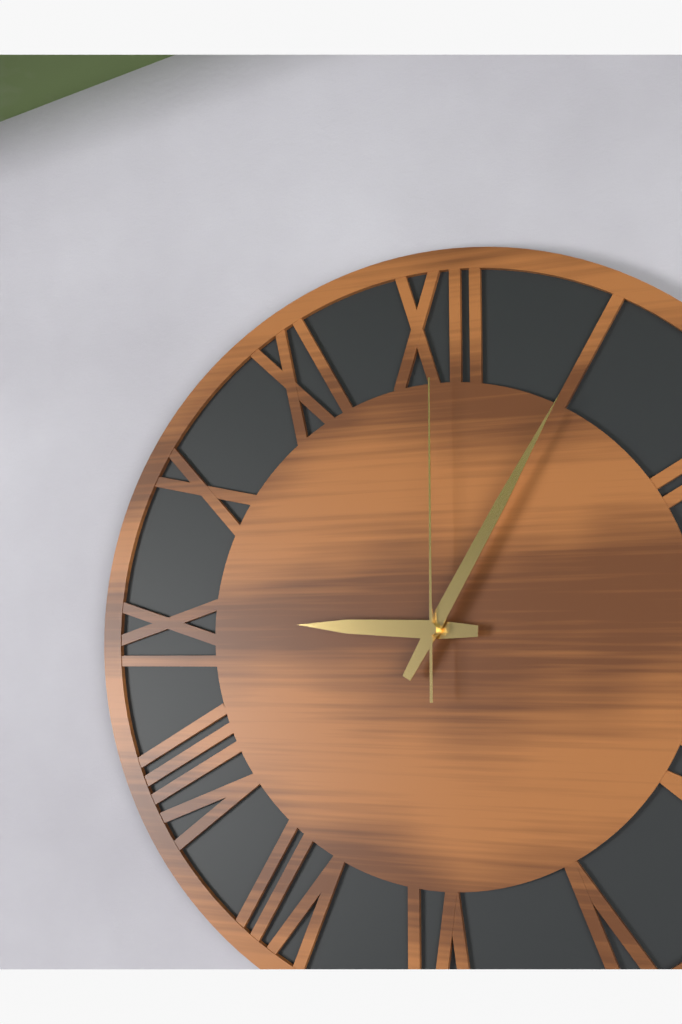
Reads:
{"hour": 9, "minute": 5, "second": 0}
